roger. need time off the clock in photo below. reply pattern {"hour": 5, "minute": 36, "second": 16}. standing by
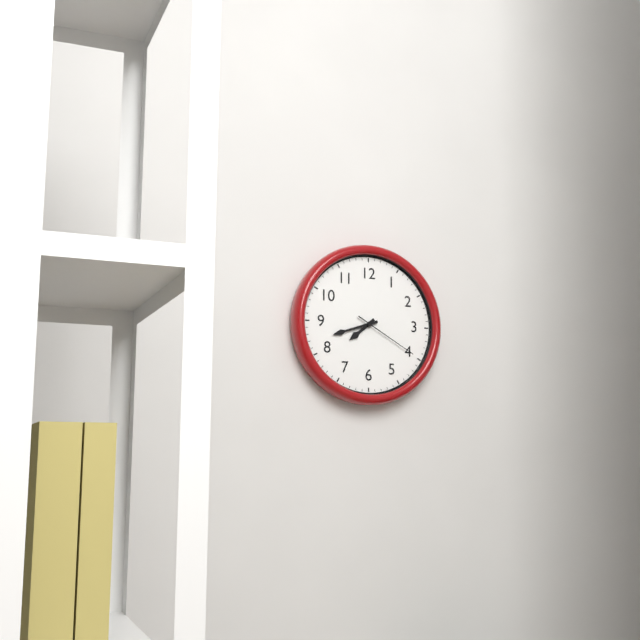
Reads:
{"hour": 7, "minute": 42, "second": 20}
